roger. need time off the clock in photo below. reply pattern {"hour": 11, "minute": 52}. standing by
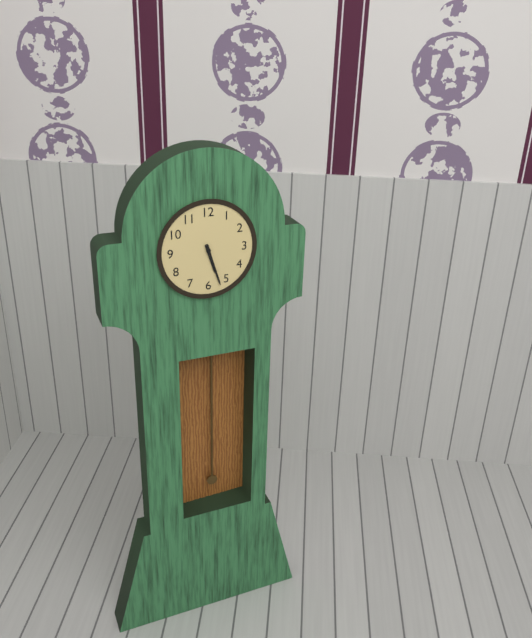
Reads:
{"hour": 5, "minute": 27}
